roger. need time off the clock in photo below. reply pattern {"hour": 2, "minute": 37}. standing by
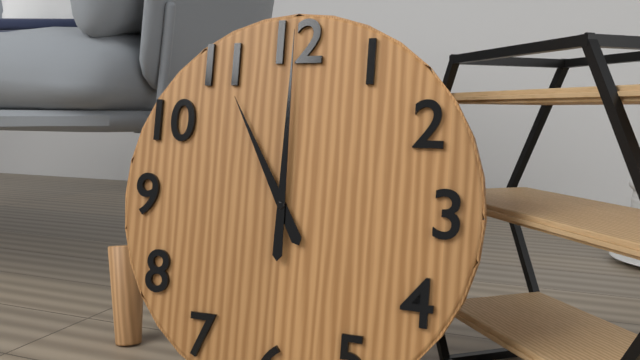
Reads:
{"hour": 11, "minute": 0}
